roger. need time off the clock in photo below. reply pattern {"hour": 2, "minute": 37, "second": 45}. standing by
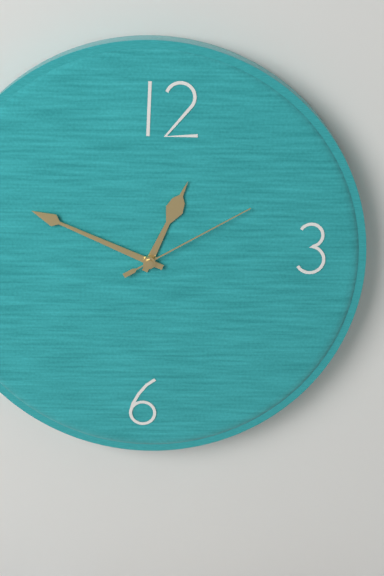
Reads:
{"hour": 12, "minute": 49, "second": 10}
